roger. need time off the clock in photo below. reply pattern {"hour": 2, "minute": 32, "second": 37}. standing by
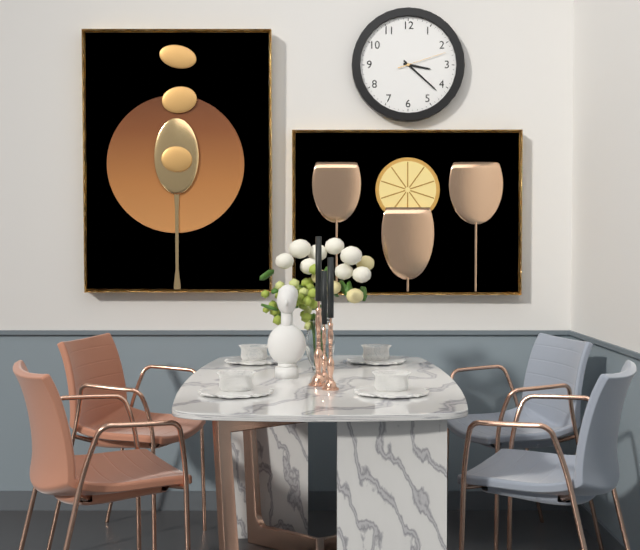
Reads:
{"hour": 3, "minute": 22, "second": 12}
